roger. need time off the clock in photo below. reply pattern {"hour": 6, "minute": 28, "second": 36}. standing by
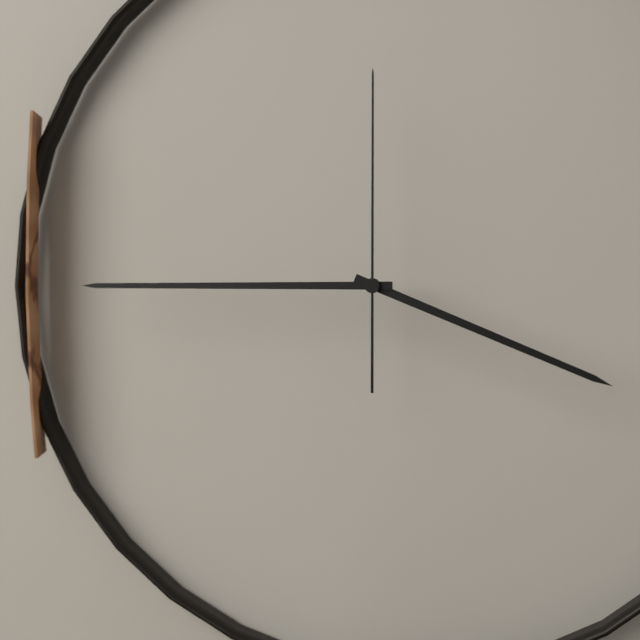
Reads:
{"hour": 3, "minute": 45, "second": 0}
